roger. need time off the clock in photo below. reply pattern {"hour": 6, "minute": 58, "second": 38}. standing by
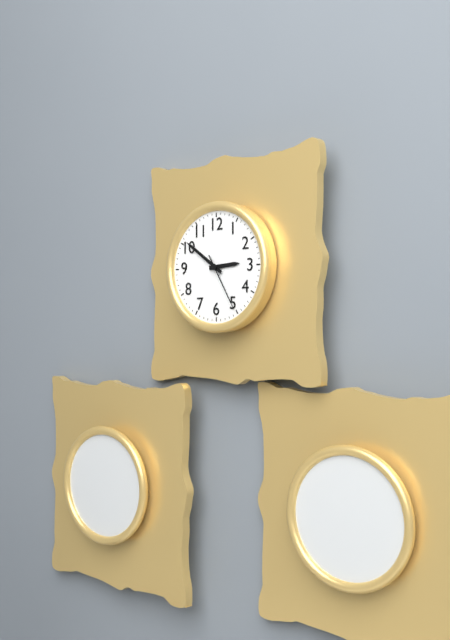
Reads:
{"hour": 2, "minute": 51, "second": 25}
